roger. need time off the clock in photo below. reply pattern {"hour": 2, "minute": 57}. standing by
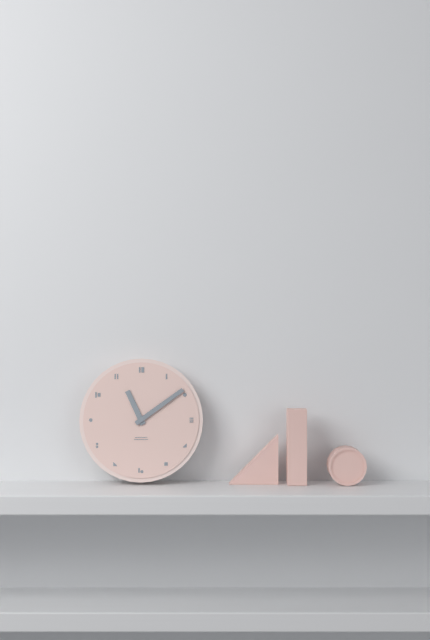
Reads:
{"hour": 11, "minute": 9}
